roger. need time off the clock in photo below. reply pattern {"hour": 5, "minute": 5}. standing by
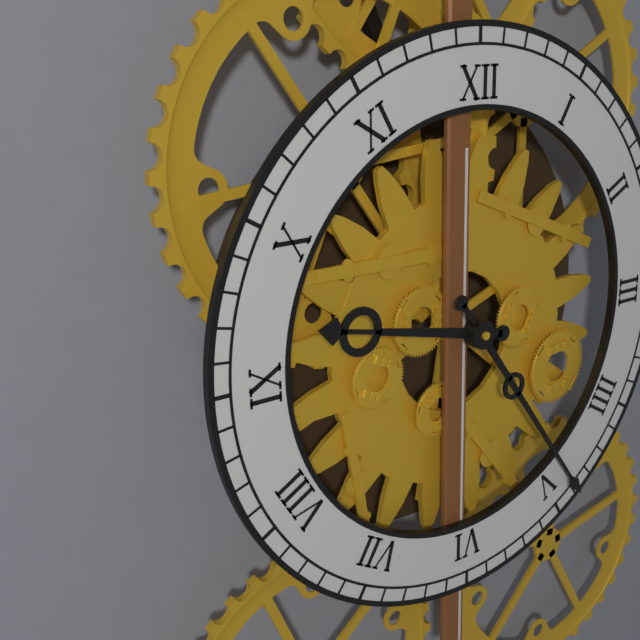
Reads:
{"hour": 9, "minute": 24}
